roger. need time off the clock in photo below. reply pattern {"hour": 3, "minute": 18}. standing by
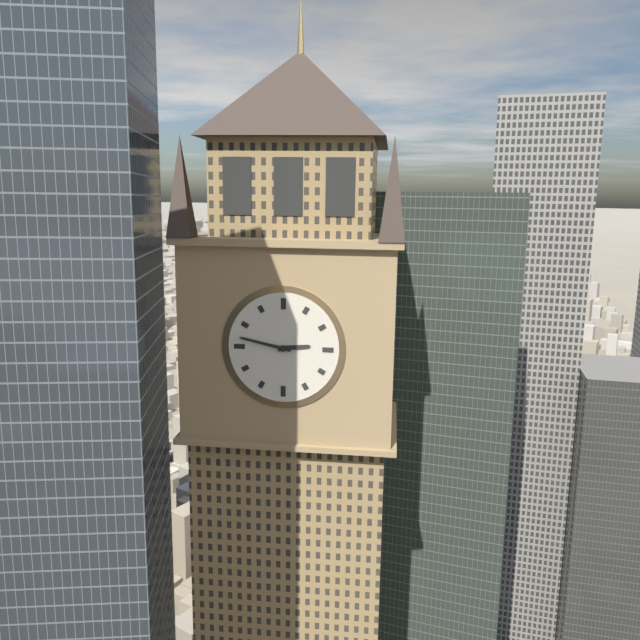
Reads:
{"hour": 2, "minute": 47}
